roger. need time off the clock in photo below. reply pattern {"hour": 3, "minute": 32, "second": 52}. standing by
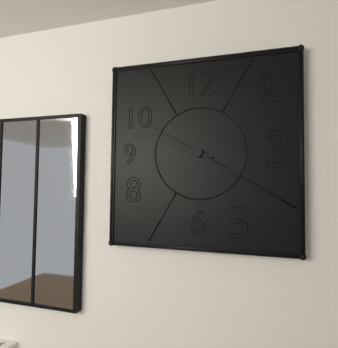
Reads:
{"hour": 9, "minute": 48, "second": 50}
